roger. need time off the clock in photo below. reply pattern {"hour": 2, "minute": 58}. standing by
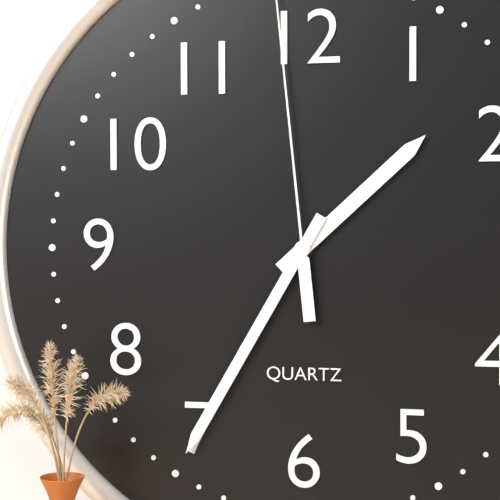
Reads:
{"hour": 1, "minute": 35}
